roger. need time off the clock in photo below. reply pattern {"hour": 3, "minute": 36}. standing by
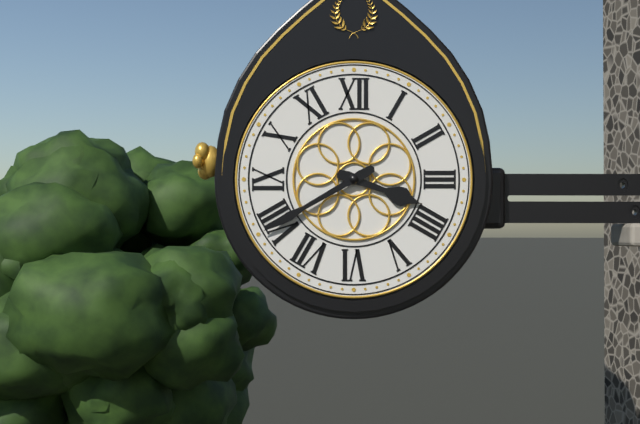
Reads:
{"hour": 3, "minute": 40}
